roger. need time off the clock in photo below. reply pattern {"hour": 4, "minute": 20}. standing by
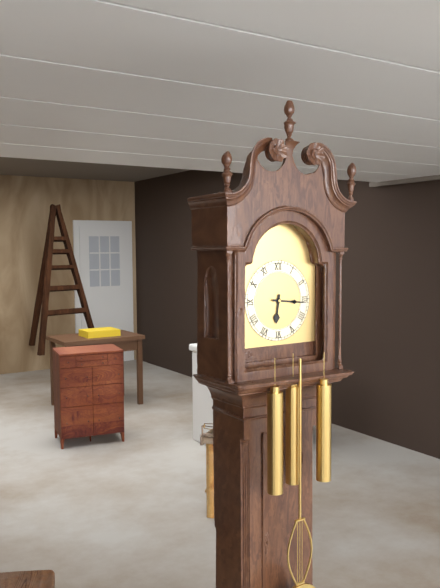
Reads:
{"hour": 6, "minute": 16}
